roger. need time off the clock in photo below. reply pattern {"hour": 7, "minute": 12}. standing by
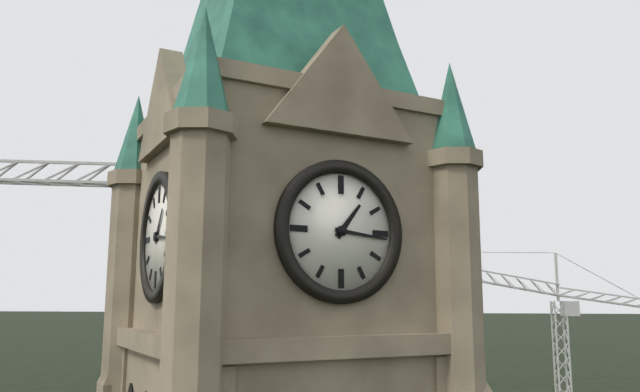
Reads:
{"hour": 1, "minute": 16}
